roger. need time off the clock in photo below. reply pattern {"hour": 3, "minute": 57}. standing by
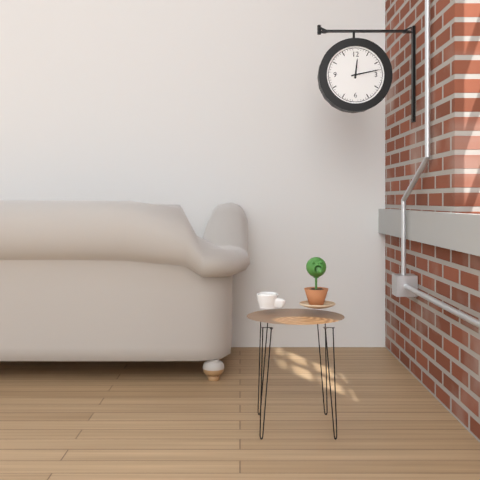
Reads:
{"hour": 12, "minute": 13}
